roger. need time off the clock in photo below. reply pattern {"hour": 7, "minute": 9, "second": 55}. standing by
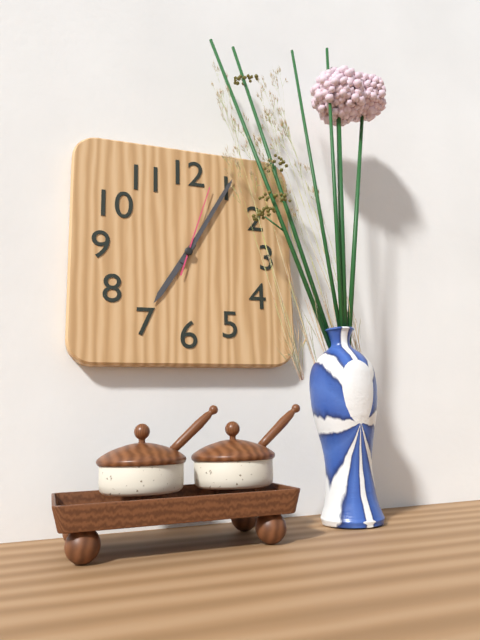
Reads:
{"hour": 7, "minute": 5, "second": 3}
